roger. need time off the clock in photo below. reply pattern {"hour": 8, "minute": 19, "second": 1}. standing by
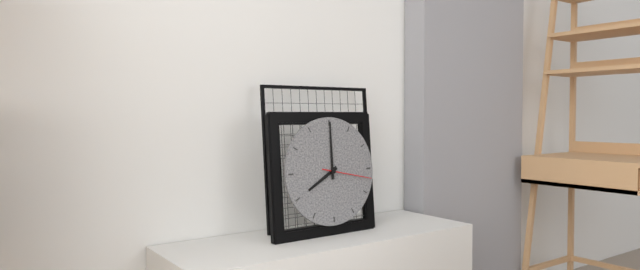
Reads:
{"hour": 8, "minute": 0, "second": 17}
